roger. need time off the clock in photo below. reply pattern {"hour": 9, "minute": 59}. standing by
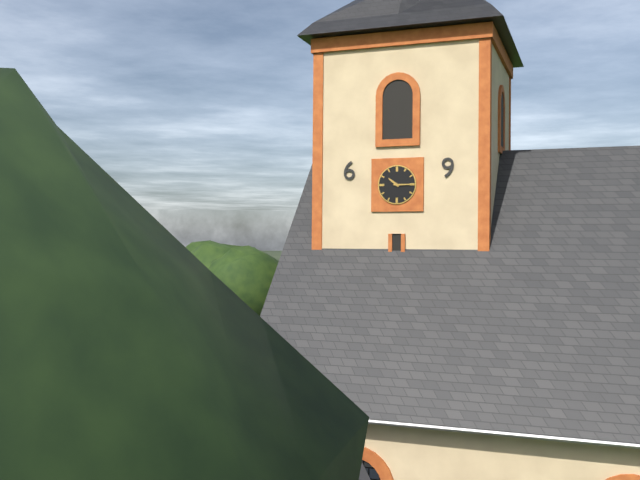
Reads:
{"hour": 10, "minute": 15}
